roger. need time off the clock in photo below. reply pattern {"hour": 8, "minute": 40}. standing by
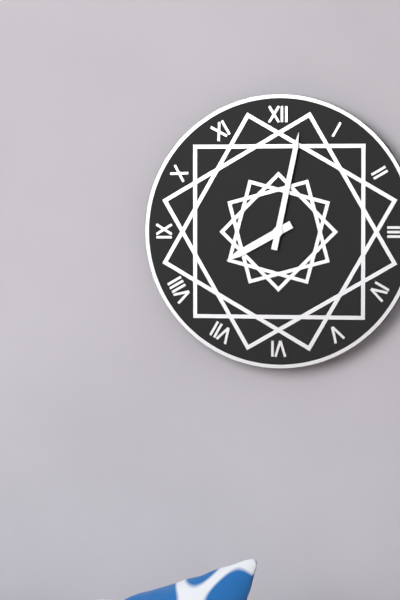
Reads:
{"hour": 8, "minute": 2}
